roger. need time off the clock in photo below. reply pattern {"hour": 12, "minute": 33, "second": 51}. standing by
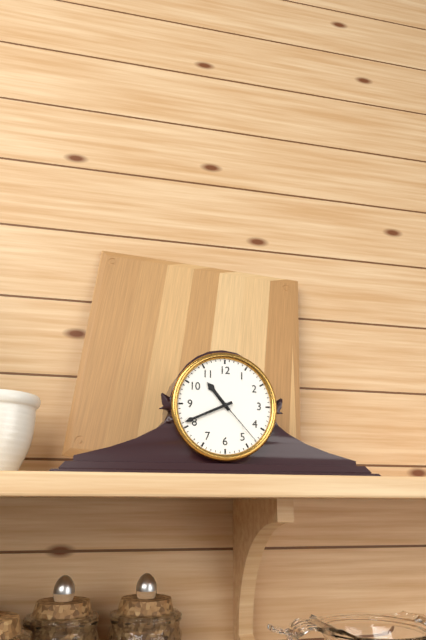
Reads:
{"hour": 10, "minute": 41, "second": 23}
